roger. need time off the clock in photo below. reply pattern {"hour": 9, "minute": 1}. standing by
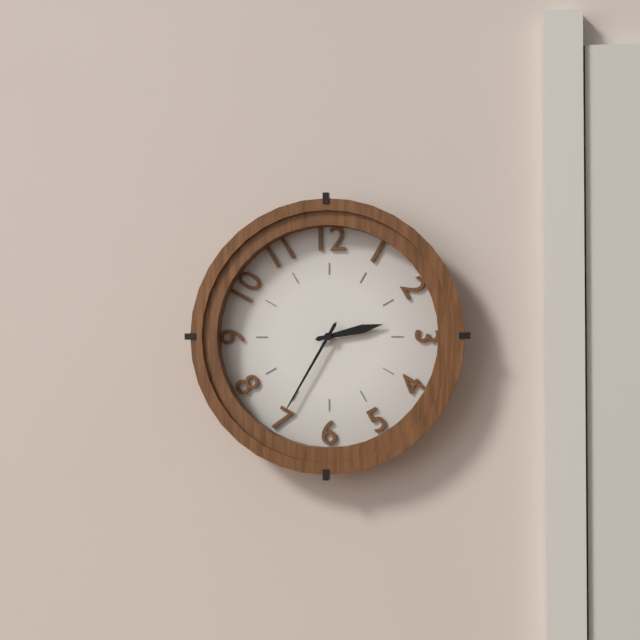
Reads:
{"hour": 2, "minute": 35}
